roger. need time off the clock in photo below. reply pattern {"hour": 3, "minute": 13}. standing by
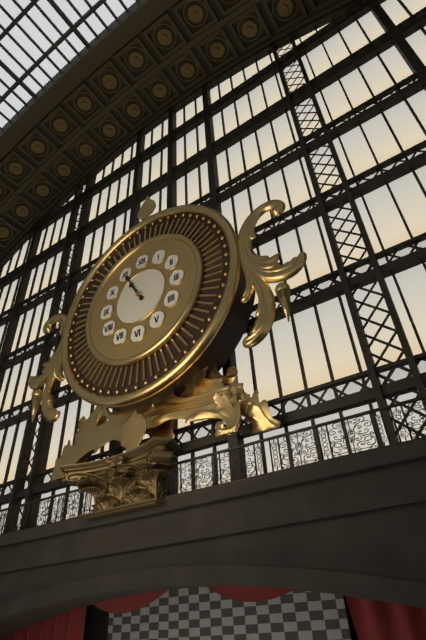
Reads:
{"hour": 10, "minute": 55}
